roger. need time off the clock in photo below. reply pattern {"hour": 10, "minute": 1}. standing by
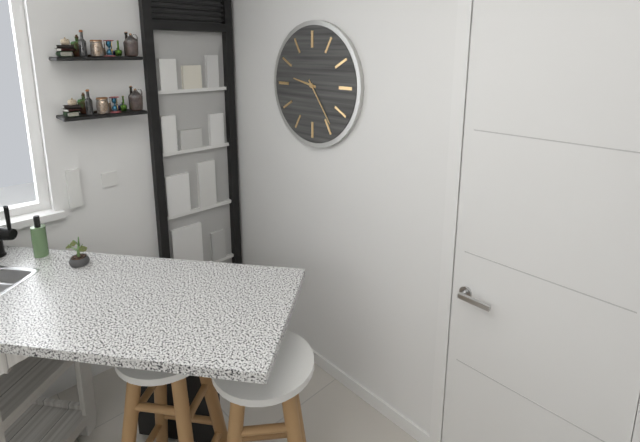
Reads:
{"hour": 9, "minute": 24}
